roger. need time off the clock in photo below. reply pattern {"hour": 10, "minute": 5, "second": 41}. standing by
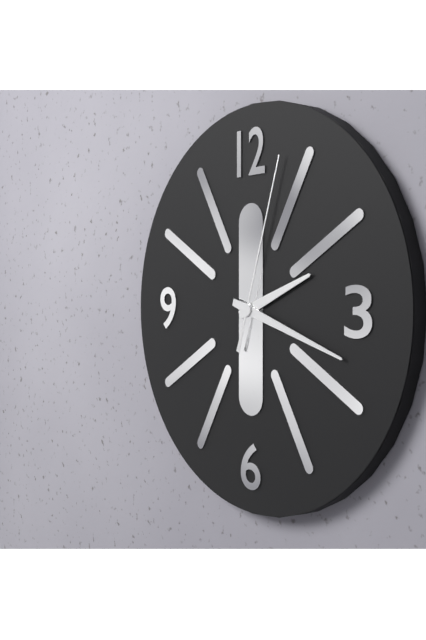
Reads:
{"hour": 2, "minute": 18, "second": 3}
